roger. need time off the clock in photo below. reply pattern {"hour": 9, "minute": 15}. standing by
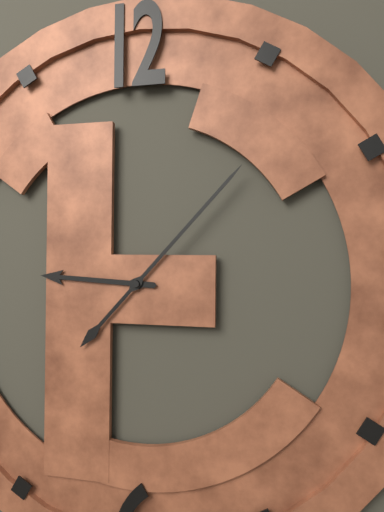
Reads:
{"hour": 9, "minute": 7}
